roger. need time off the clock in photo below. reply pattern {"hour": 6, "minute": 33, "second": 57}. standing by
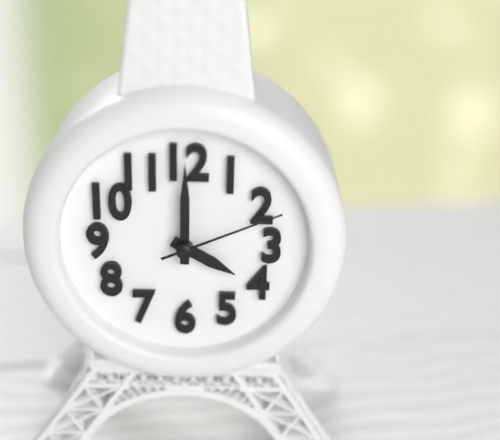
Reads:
{"hour": 4, "minute": 0, "second": 11}
